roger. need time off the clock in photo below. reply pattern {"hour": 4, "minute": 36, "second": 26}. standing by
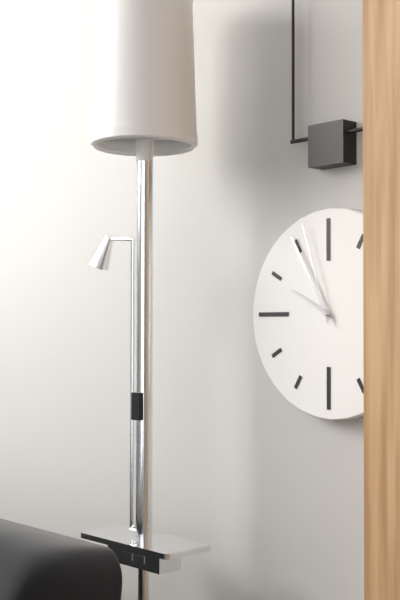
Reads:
{"hour": 9, "minute": 55, "second": 57}
